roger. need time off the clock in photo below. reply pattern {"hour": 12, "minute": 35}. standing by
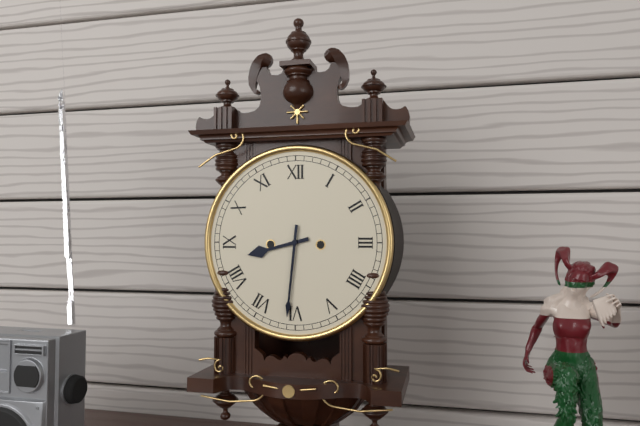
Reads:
{"hour": 8, "minute": 31}
